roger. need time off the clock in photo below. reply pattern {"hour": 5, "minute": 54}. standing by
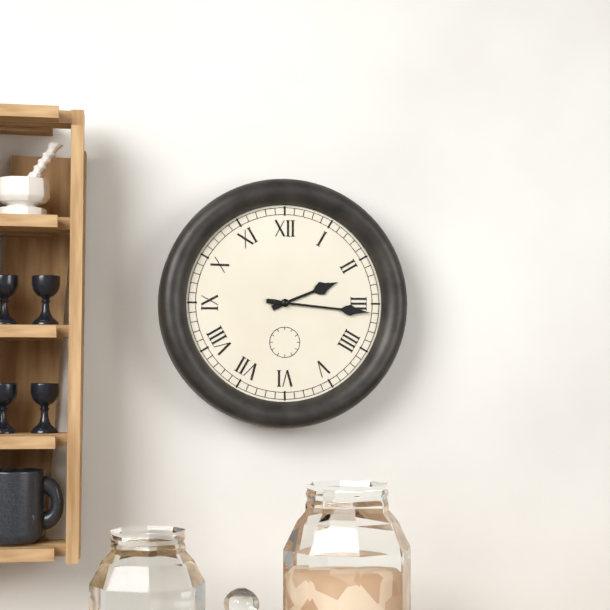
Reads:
{"hour": 2, "minute": 16}
